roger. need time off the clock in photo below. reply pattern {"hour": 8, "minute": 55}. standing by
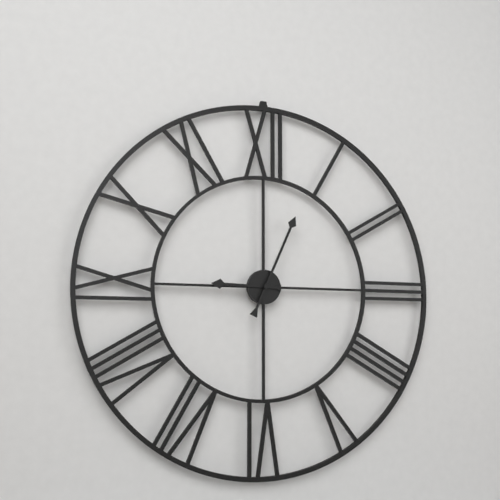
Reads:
{"hour": 9, "minute": 4}
